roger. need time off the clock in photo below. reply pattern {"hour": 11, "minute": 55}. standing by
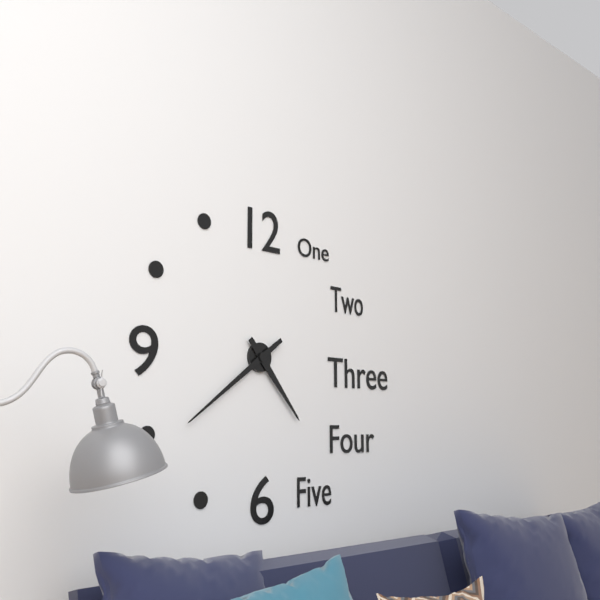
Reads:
{"hour": 4, "minute": 39}
